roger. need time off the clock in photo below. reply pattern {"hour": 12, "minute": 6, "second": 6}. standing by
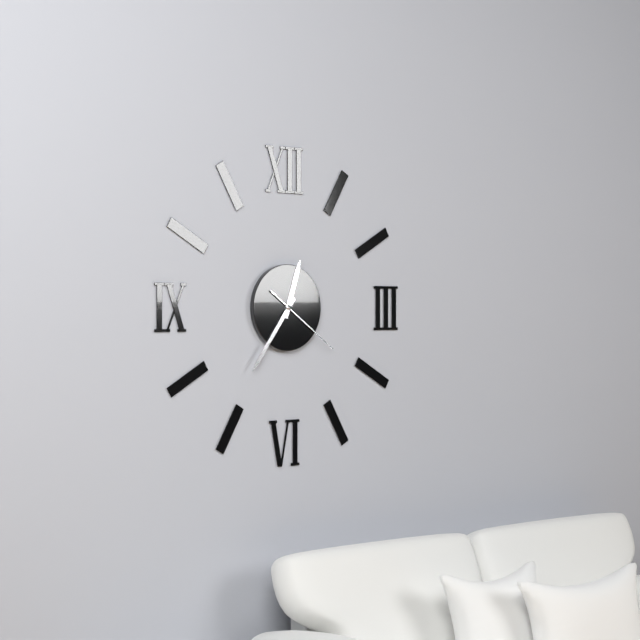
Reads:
{"hour": 12, "minute": 36, "second": 21}
